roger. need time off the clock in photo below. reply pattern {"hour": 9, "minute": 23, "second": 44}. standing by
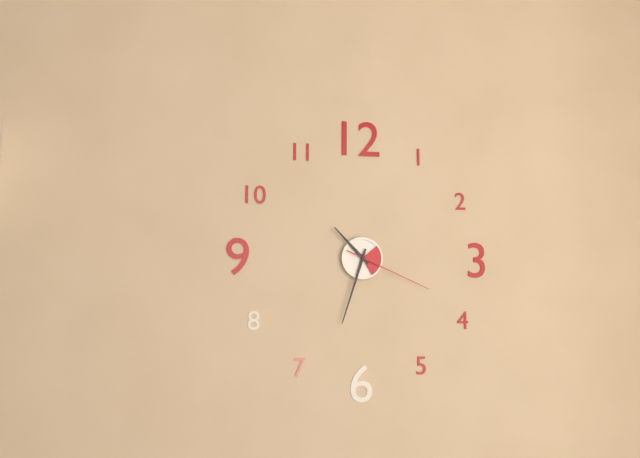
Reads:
{"hour": 10, "minute": 33, "second": 19}
